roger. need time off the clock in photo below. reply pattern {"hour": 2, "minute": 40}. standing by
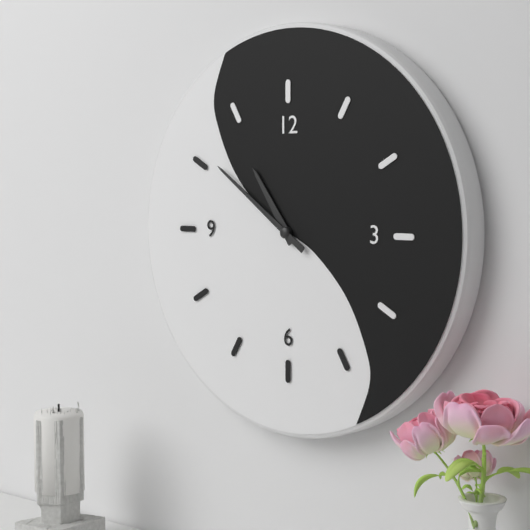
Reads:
{"hour": 10, "minute": 51}
